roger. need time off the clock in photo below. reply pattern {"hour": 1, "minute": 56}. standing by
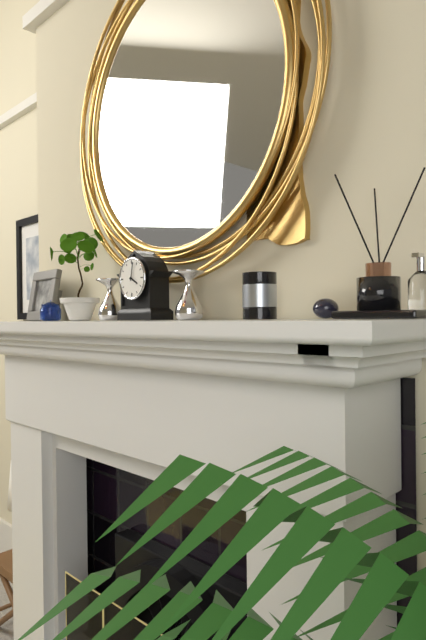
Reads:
{"hour": 4, "minute": 2}
